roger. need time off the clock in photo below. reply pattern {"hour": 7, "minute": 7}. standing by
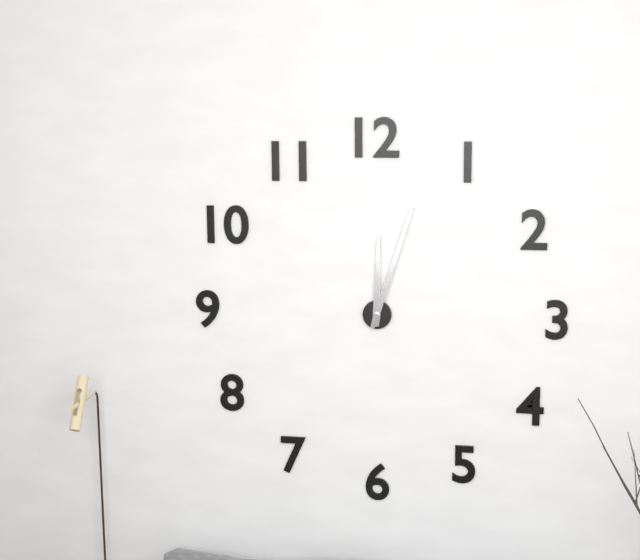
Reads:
{"hour": 12, "minute": 3}
